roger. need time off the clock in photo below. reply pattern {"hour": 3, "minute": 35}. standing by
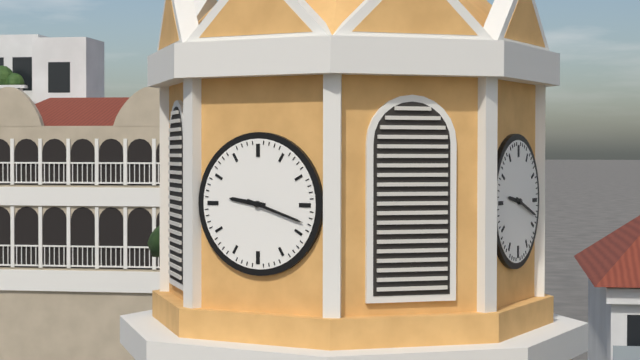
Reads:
{"hour": 9, "minute": 18}
